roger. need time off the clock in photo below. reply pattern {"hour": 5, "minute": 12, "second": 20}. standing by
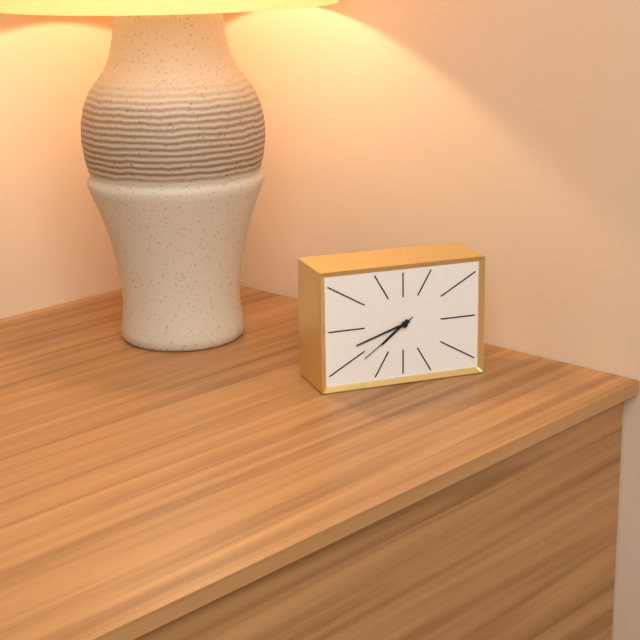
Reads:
{"hour": 7, "minute": 42, "second": 39}
